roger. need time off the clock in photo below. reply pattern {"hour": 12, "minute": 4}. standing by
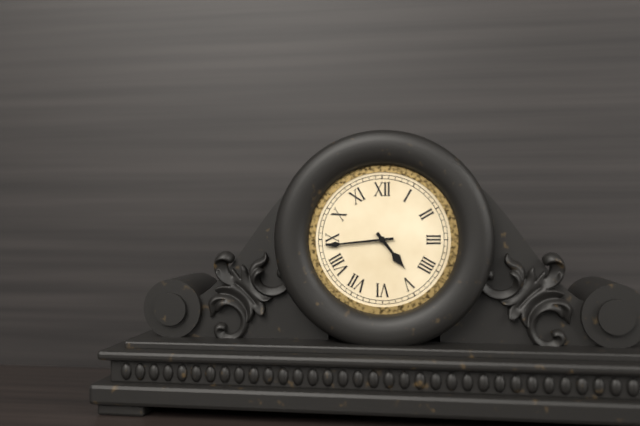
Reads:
{"hour": 4, "minute": 44}
